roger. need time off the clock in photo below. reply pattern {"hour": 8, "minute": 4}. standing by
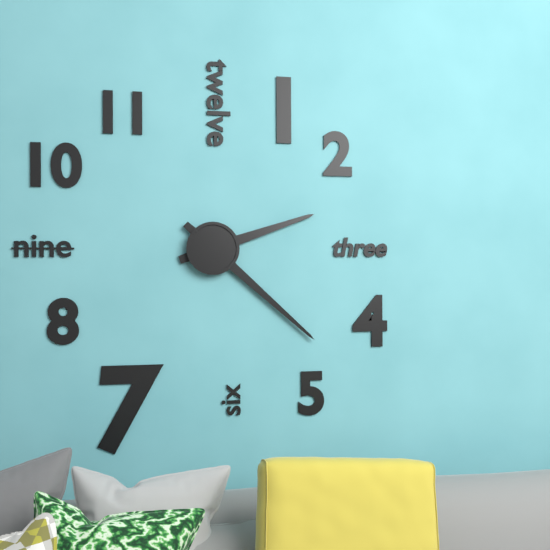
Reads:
{"hour": 2, "minute": 22}
